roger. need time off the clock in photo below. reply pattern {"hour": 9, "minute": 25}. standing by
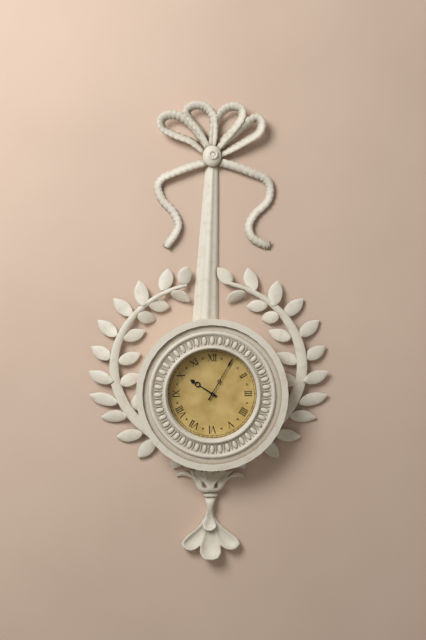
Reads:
{"hour": 10, "minute": 5}
